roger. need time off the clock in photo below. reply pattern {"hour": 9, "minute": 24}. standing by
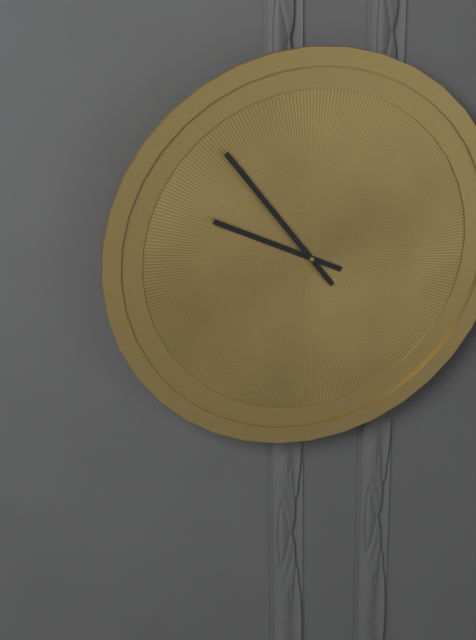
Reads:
{"hour": 9, "minute": 54}
